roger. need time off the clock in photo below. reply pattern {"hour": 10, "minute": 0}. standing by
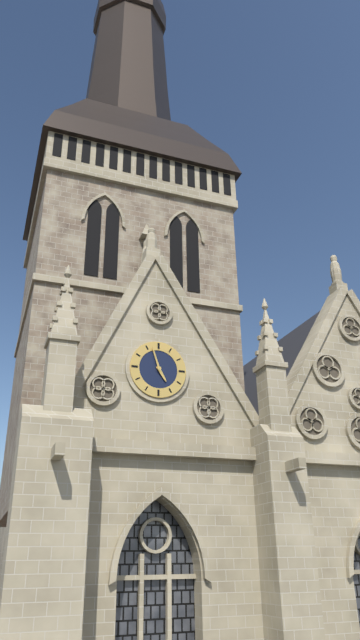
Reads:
{"hour": 4, "minute": 57}
